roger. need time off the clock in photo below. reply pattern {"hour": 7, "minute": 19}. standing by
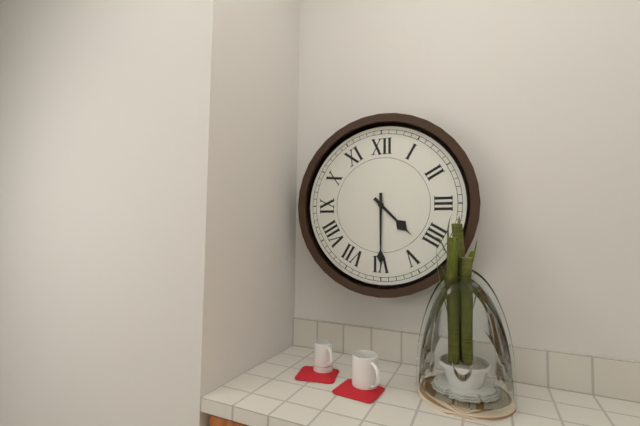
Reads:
{"hour": 4, "minute": 30}
